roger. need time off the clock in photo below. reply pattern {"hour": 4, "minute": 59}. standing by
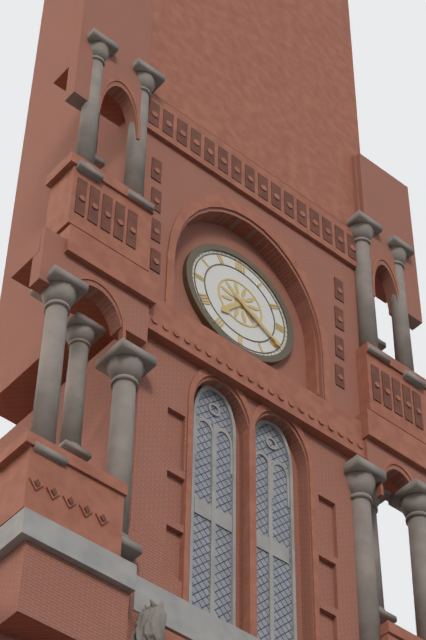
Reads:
{"hour": 7, "minute": 20}
